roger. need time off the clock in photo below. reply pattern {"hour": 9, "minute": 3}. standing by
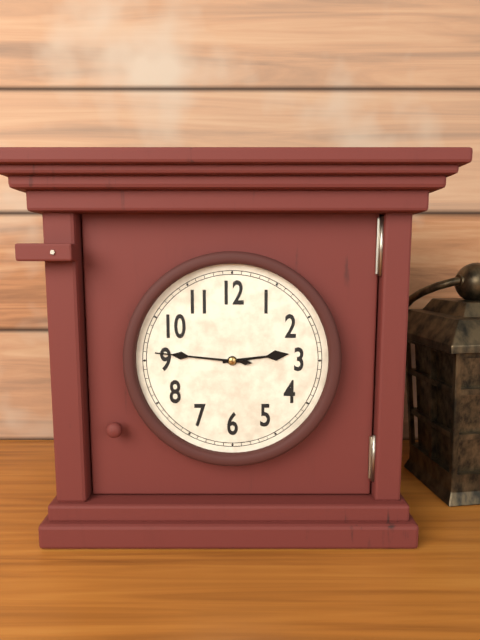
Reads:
{"hour": 2, "minute": 46}
